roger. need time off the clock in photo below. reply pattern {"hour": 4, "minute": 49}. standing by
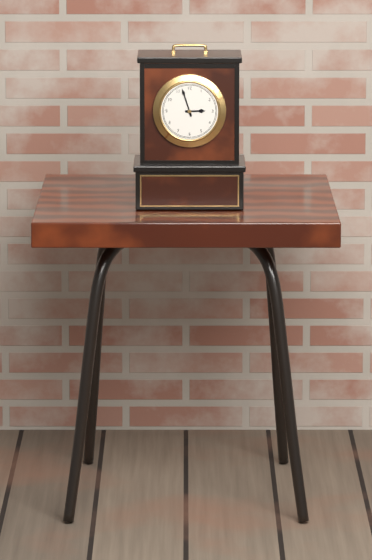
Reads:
{"hour": 2, "minute": 57}
